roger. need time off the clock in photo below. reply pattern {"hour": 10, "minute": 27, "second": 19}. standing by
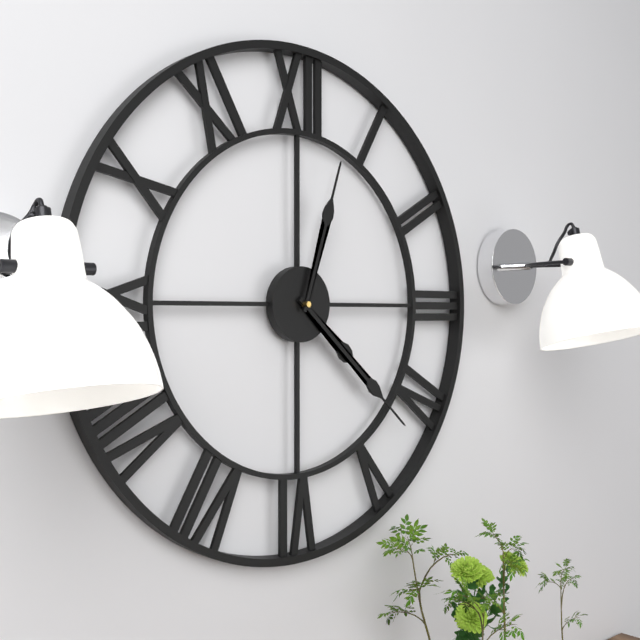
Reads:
{"hour": 4, "minute": 22, "second": 3}
